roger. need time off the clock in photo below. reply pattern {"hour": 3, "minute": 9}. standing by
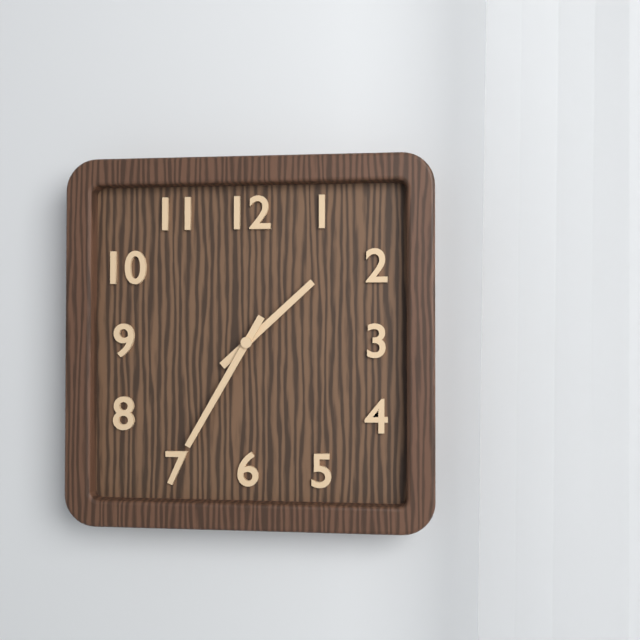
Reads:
{"hour": 1, "minute": 35}
